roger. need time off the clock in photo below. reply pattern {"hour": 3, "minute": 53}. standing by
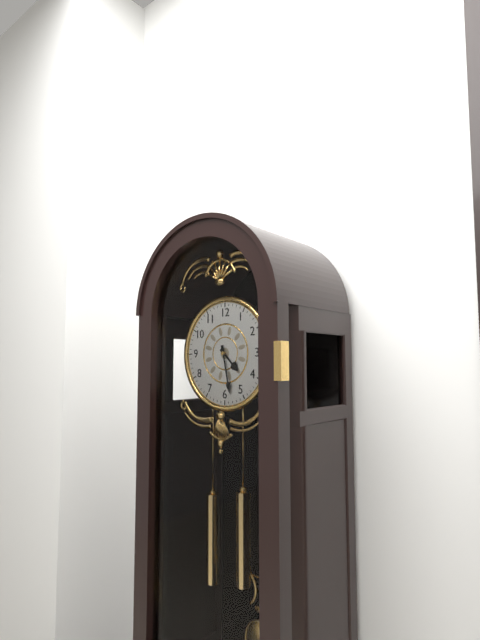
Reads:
{"hour": 4, "minute": 28}
